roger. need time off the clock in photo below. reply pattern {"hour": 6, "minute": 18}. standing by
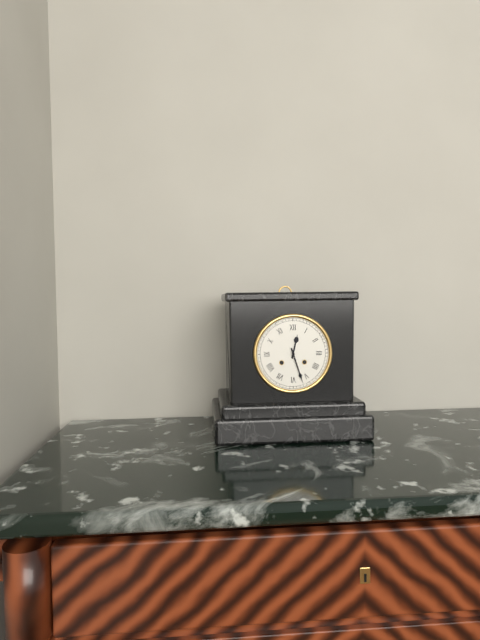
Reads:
{"hour": 12, "minute": 27}
